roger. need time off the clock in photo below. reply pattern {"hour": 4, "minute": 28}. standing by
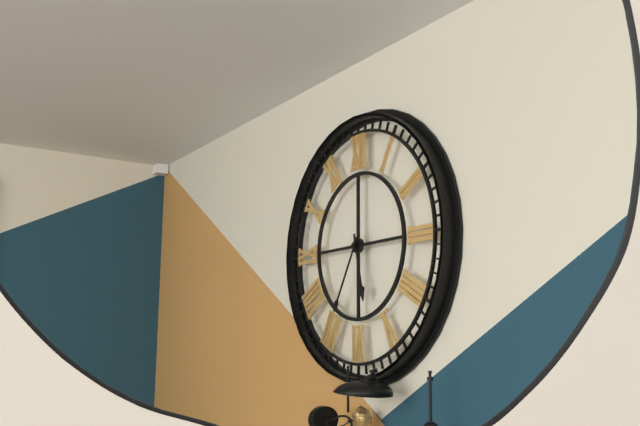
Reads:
{"hour": 5, "minute": 35}
